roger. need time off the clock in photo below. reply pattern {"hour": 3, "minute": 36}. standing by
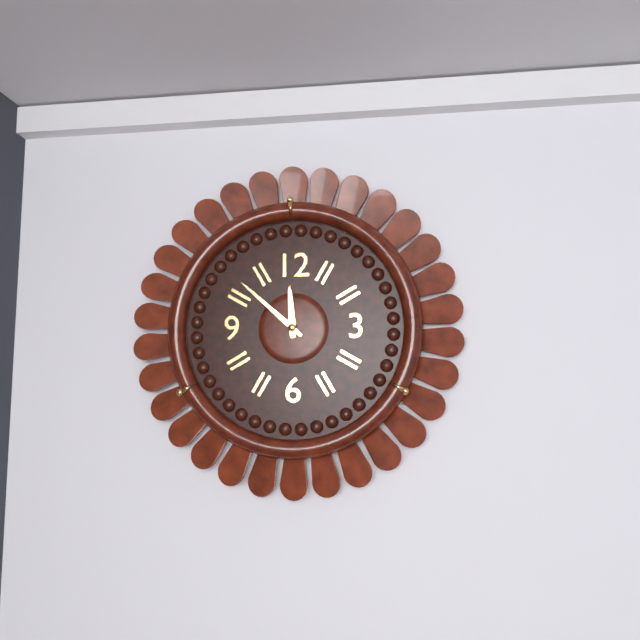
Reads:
{"hour": 11, "minute": 52}
